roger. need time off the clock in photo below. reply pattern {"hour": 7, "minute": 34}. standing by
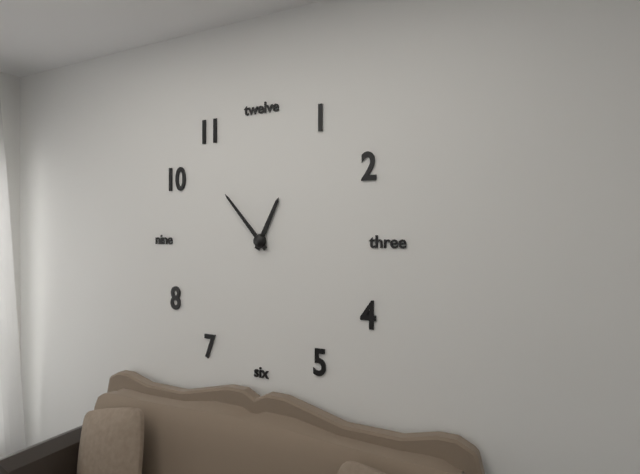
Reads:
{"hour": 12, "minute": 53}
